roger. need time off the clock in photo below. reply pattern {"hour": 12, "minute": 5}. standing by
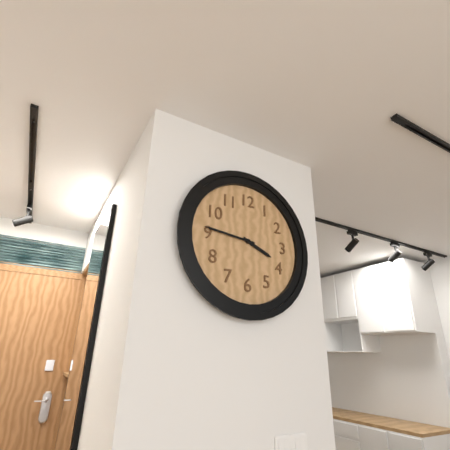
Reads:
{"hour": 3, "minute": 46}
